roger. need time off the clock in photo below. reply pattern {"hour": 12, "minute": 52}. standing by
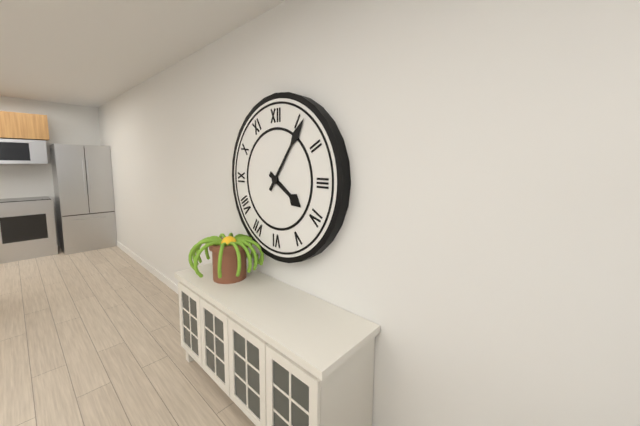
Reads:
{"hour": 4, "minute": 6}
